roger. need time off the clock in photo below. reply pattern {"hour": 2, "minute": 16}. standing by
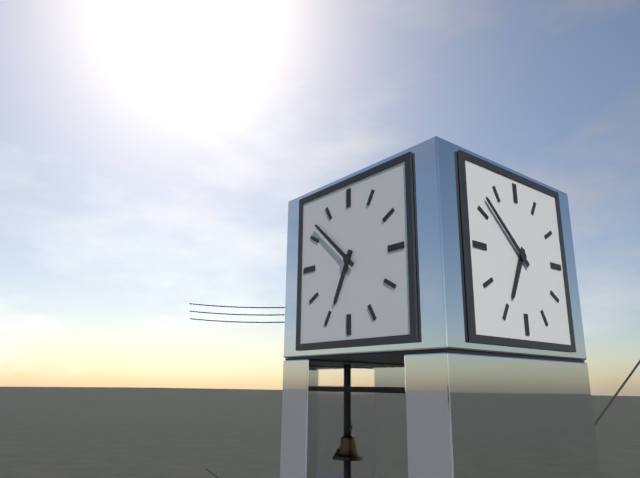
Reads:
{"hour": 6, "minute": 52}
